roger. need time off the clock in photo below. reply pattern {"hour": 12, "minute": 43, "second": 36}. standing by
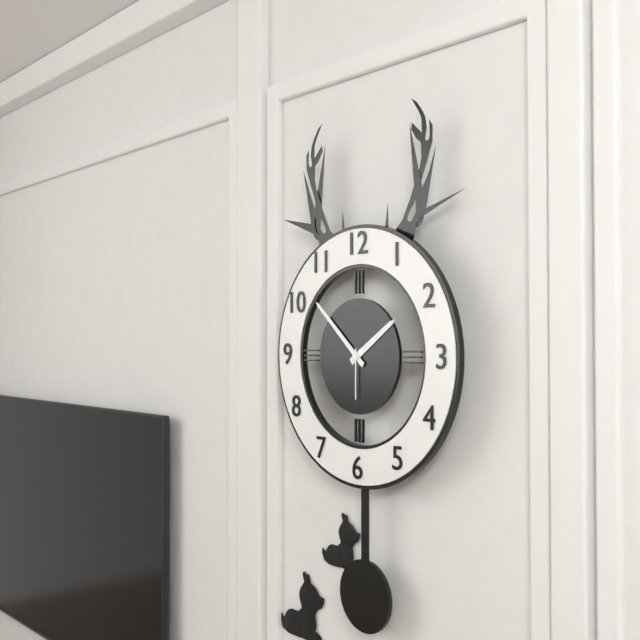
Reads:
{"hour": 1, "minute": 52, "second": 30}
